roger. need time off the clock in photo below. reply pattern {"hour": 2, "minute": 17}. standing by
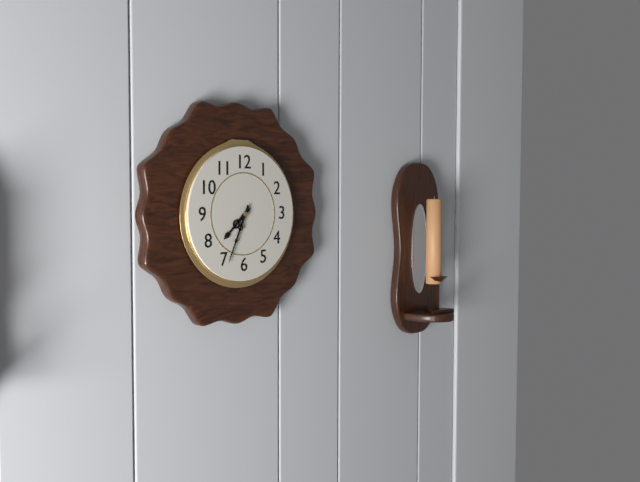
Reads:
{"hour": 7, "minute": 34}
